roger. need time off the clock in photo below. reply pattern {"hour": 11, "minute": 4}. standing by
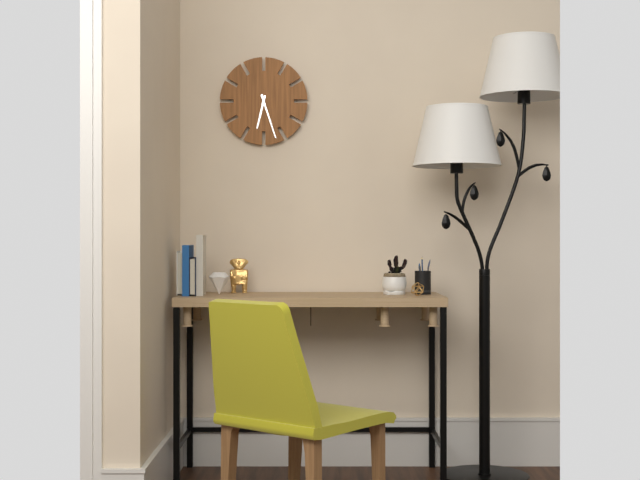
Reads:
{"hour": 6, "minute": 27}
